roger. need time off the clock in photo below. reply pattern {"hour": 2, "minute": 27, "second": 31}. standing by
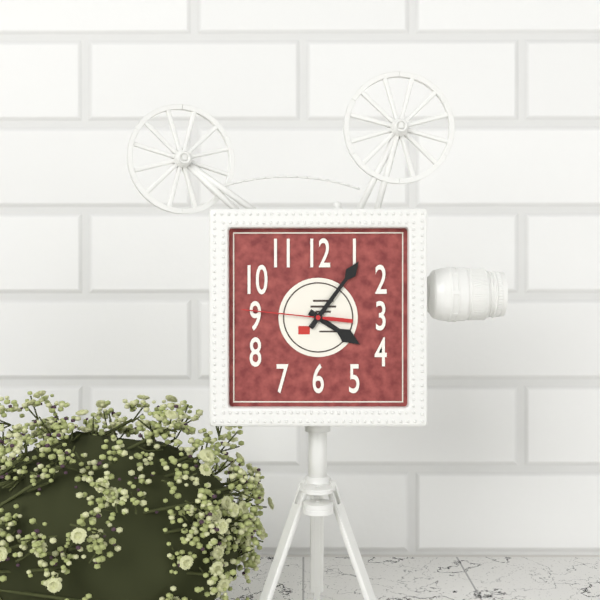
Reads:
{"hour": 4, "minute": 6, "second": 46}
